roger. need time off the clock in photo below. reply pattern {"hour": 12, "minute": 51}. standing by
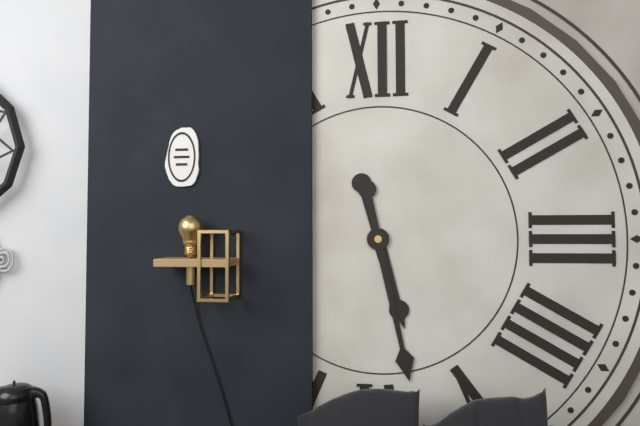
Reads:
{"hour": 5, "minute": 28}
